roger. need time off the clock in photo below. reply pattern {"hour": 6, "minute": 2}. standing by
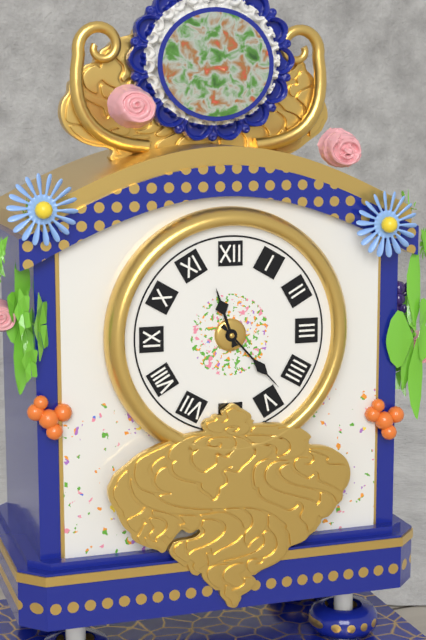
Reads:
{"hour": 11, "minute": 23}
